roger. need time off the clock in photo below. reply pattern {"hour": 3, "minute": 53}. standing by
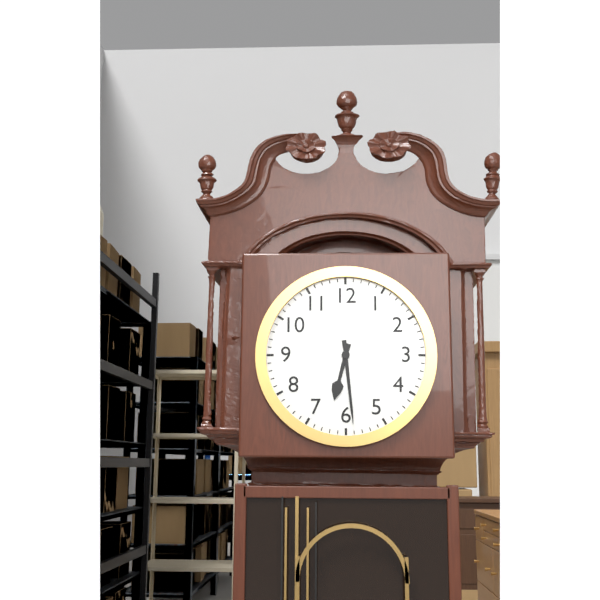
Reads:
{"hour": 6, "minute": 29}
